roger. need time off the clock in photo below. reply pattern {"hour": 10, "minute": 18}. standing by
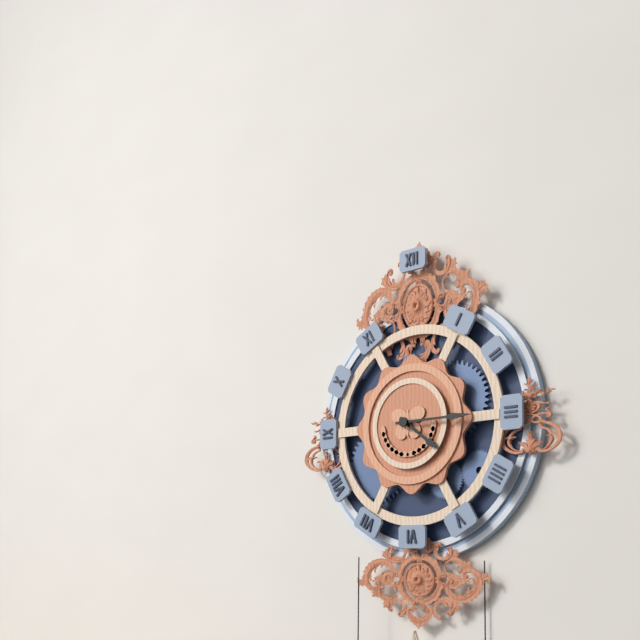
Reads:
{"hour": 4, "minute": 15}
